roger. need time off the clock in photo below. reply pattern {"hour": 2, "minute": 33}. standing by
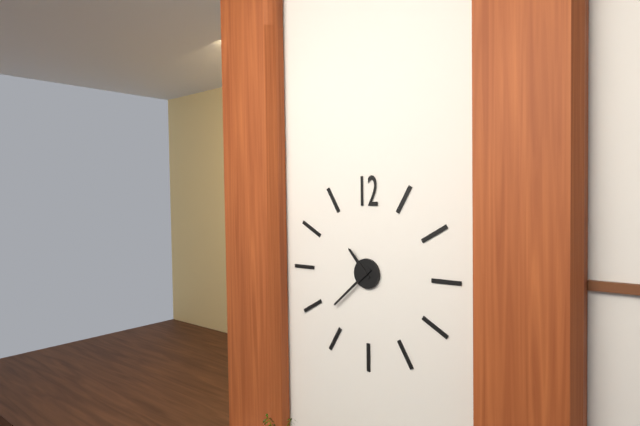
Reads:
{"hour": 10, "minute": 38}
